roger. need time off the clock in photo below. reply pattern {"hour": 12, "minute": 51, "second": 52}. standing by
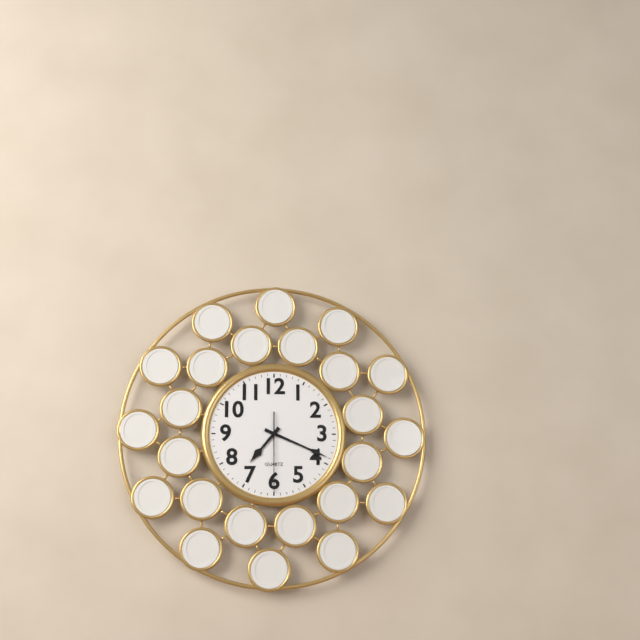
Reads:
{"hour": 7, "minute": 19, "second": 30}
